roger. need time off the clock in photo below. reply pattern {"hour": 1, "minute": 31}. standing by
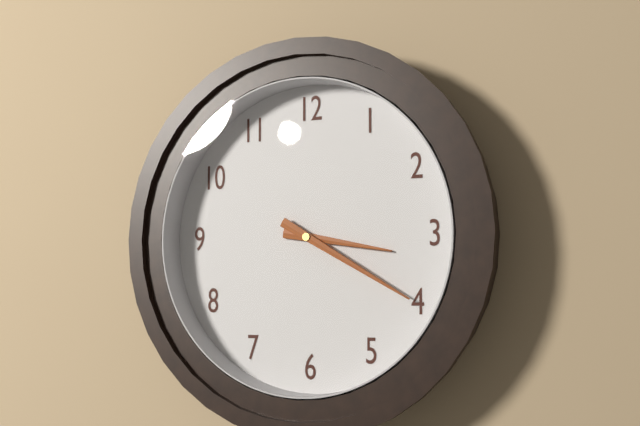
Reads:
{"hour": 3, "minute": 20}
